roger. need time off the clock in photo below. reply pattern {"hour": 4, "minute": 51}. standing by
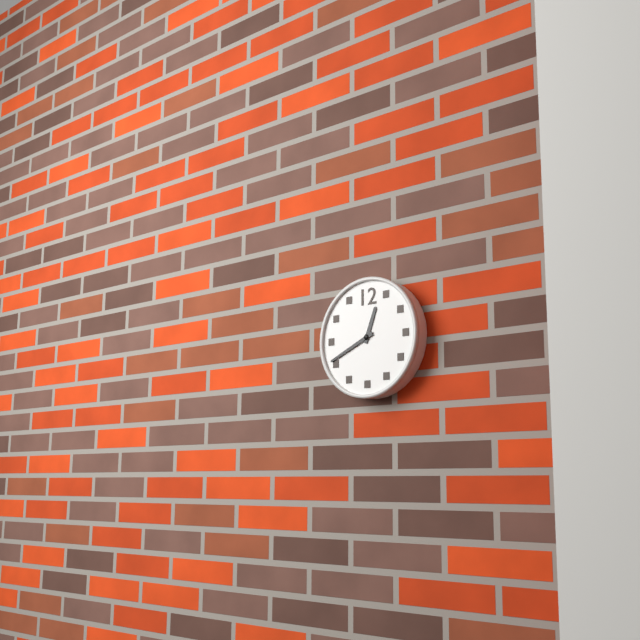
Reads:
{"hour": 12, "minute": 41}
